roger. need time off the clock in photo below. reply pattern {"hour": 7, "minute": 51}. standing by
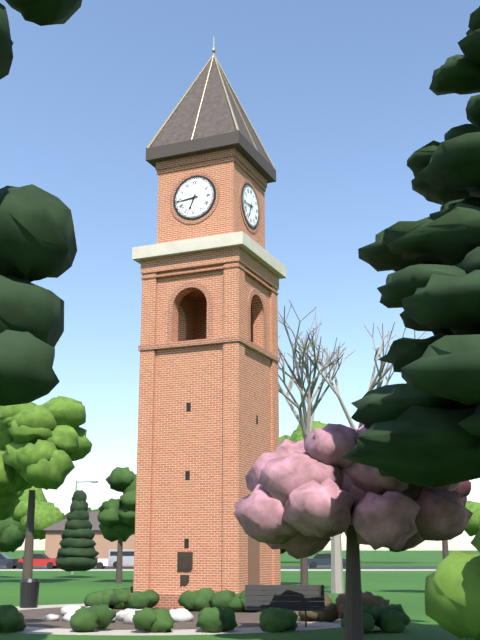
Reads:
{"hour": 6, "minute": 44}
